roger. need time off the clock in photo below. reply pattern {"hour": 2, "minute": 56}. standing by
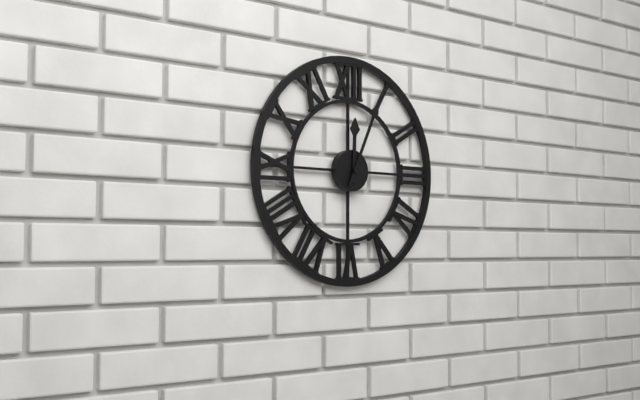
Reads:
{"hour": 12, "minute": 4}
